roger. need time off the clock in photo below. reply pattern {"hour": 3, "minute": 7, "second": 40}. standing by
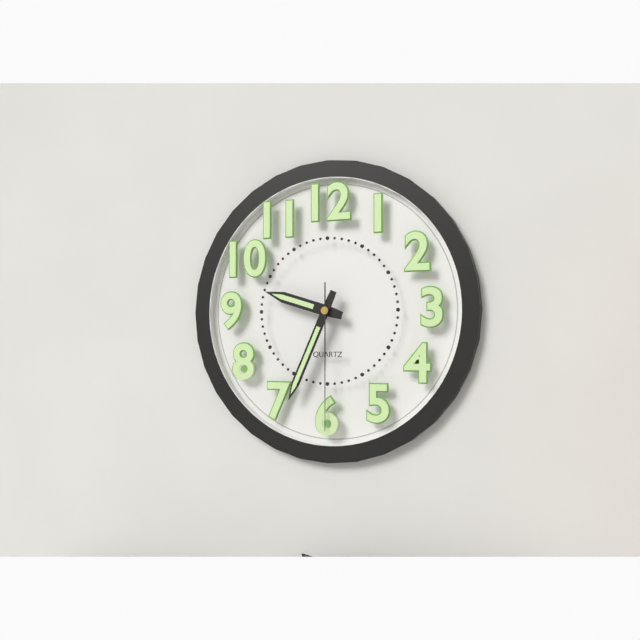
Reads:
{"hour": 9, "minute": 34, "second": 30}
